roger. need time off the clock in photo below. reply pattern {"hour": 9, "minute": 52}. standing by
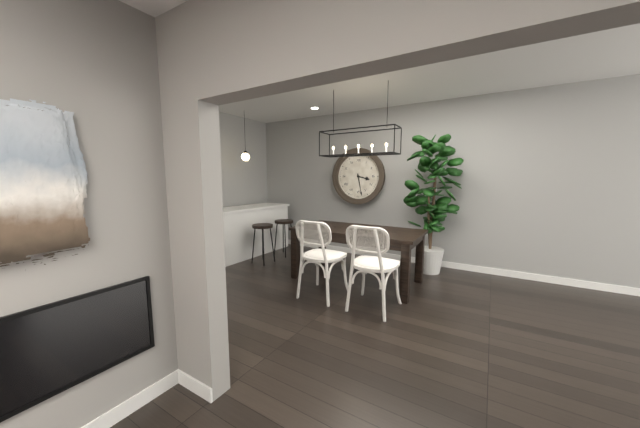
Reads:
{"hour": 3, "minute": 28}
